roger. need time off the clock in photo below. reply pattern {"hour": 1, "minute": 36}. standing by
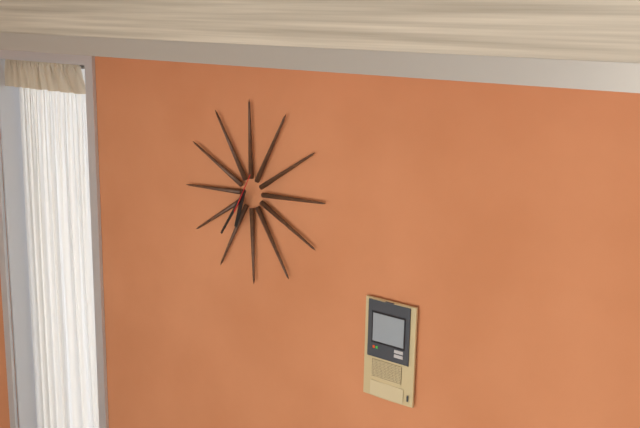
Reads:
{"hour": 6, "minute": 36}
